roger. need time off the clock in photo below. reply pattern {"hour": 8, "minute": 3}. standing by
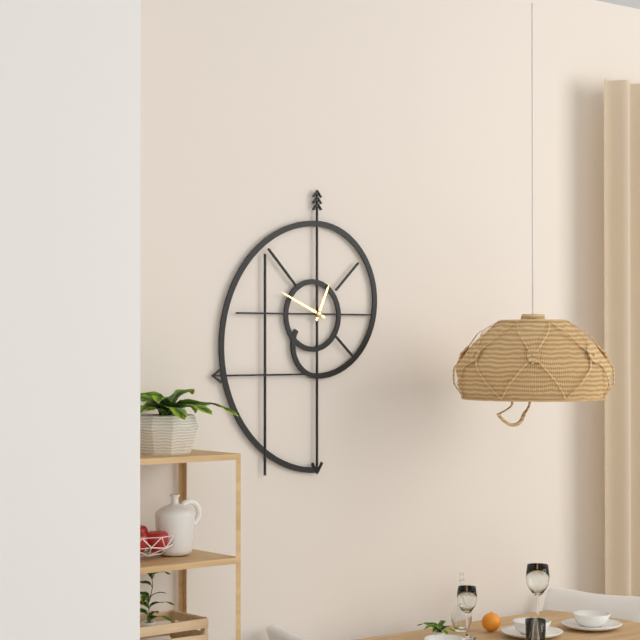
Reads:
{"hour": 12, "minute": 49}
